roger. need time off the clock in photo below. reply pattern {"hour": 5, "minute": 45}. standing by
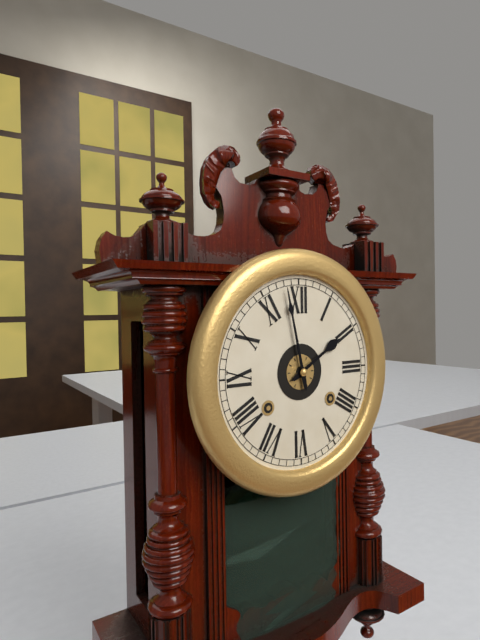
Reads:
{"hour": 1, "minute": 58}
